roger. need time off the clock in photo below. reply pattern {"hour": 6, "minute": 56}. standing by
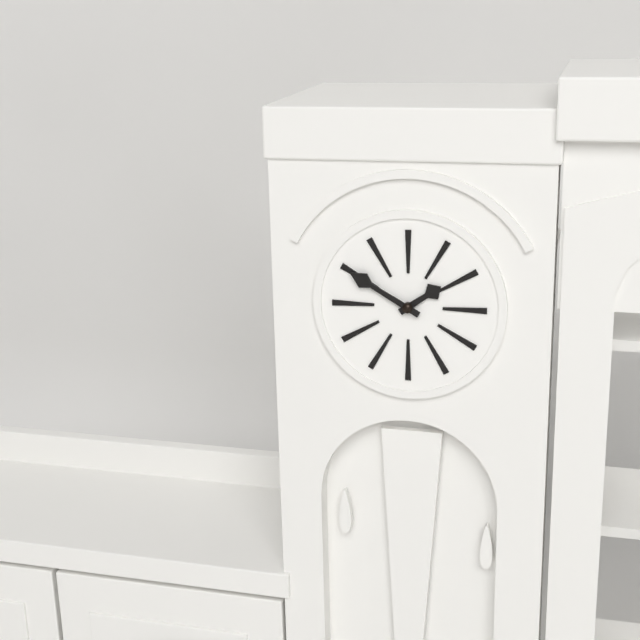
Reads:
{"hour": 1, "minute": 50}
